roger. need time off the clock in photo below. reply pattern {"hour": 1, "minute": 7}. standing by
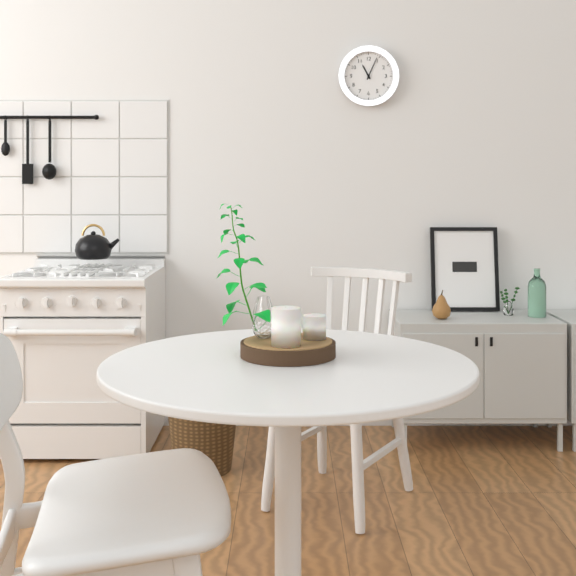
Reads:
{"hour": 11, "minute": 4}
